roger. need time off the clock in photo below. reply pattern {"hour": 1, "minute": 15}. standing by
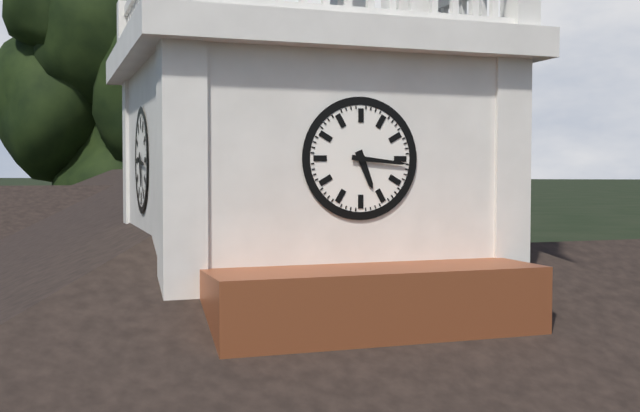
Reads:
{"hour": 5, "minute": 16}
